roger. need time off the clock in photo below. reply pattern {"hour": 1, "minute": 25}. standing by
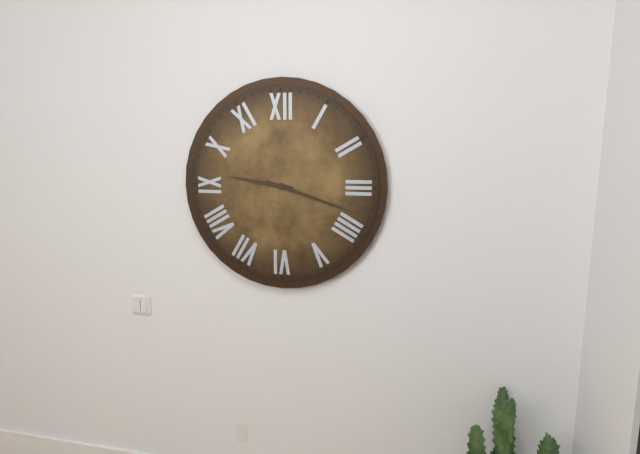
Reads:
{"hour": 9, "minute": 18}
